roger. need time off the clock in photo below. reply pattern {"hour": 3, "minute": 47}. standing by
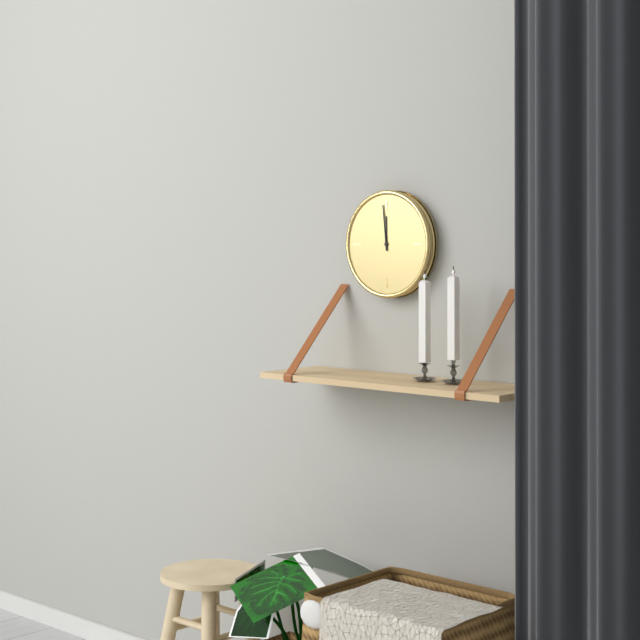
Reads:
{"hour": 11, "minute": 59}
